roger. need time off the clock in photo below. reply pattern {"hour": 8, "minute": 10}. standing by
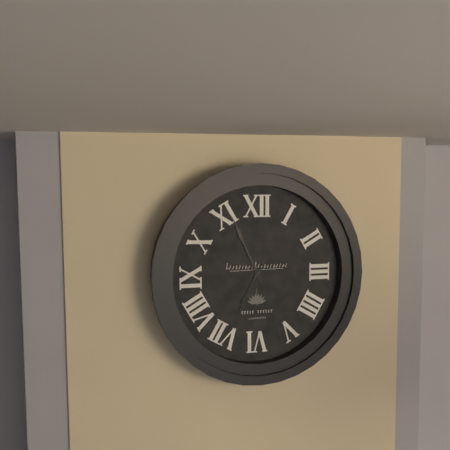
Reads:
{"hour": 6, "minute": 56}
